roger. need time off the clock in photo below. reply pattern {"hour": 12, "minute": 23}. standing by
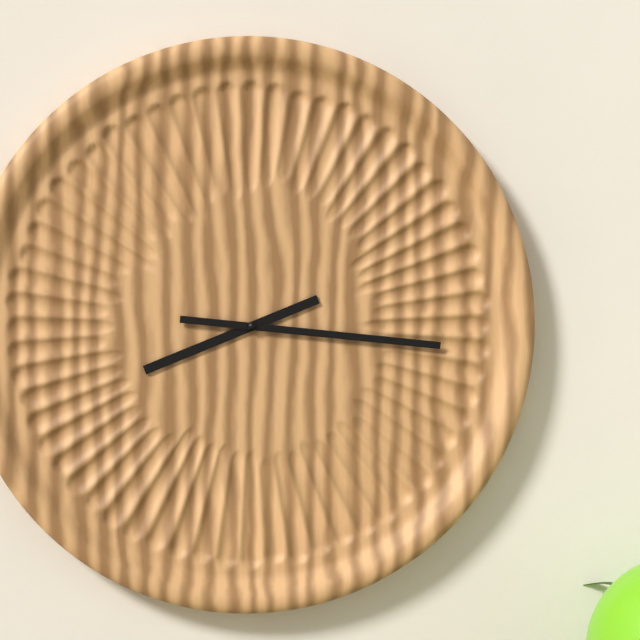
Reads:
{"hour": 8, "minute": 16}
